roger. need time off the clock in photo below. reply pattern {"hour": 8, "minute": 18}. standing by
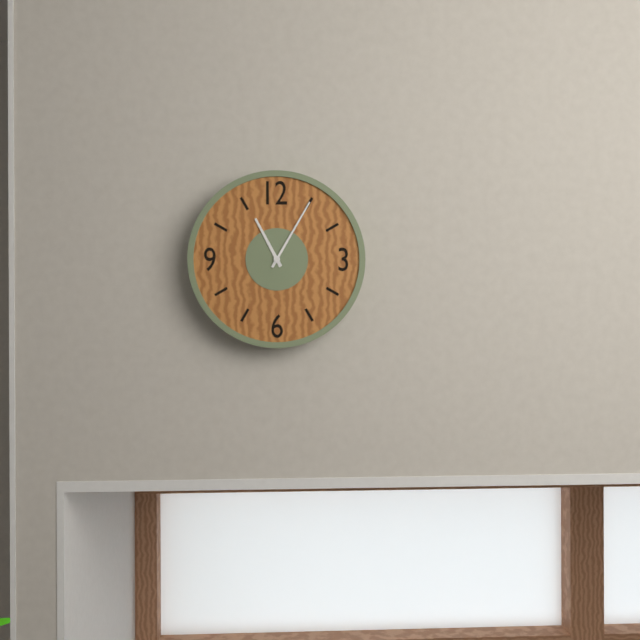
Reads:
{"hour": 11, "minute": 5}
